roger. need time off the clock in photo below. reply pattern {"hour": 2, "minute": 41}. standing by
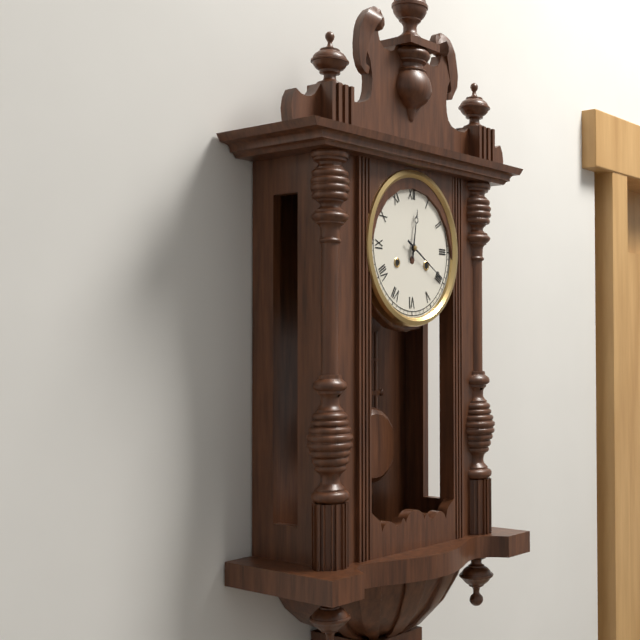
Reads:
{"hour": 12, "minute": 20}
